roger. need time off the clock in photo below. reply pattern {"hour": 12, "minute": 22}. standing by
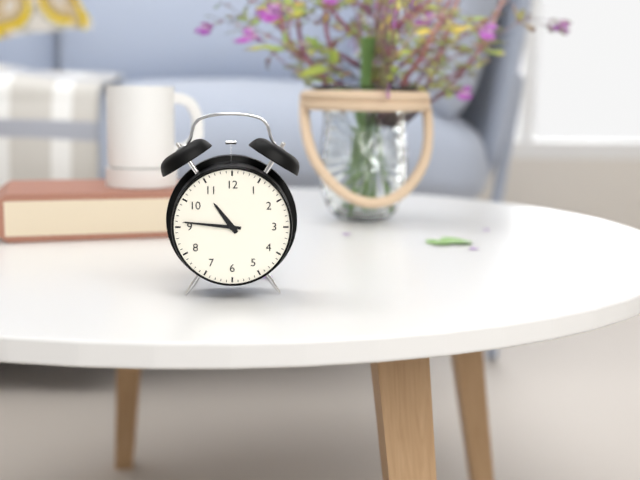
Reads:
{"hour": 10, "minute": 46}
